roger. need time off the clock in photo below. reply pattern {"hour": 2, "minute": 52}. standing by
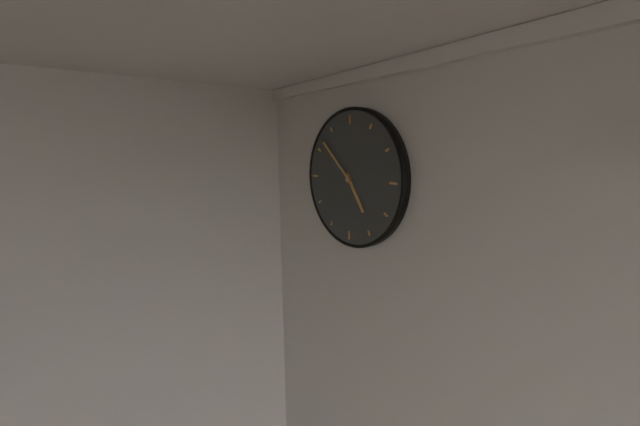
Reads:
{"hour": 4, "minute": 52}
